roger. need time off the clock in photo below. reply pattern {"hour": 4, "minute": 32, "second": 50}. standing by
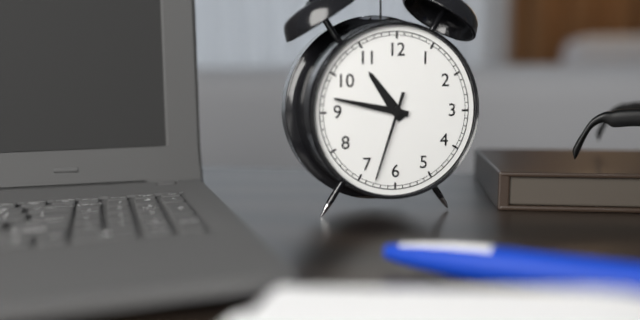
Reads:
{"hour": 10, "minute": 47, "second": 33}
